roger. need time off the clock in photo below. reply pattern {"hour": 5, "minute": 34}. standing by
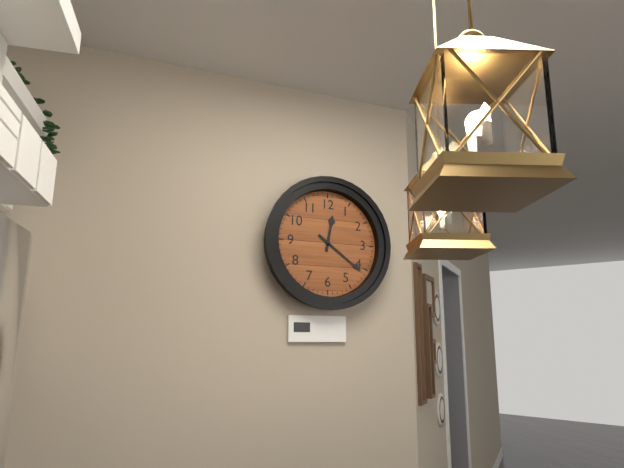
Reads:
{"hour": 12, "minute": 21}
